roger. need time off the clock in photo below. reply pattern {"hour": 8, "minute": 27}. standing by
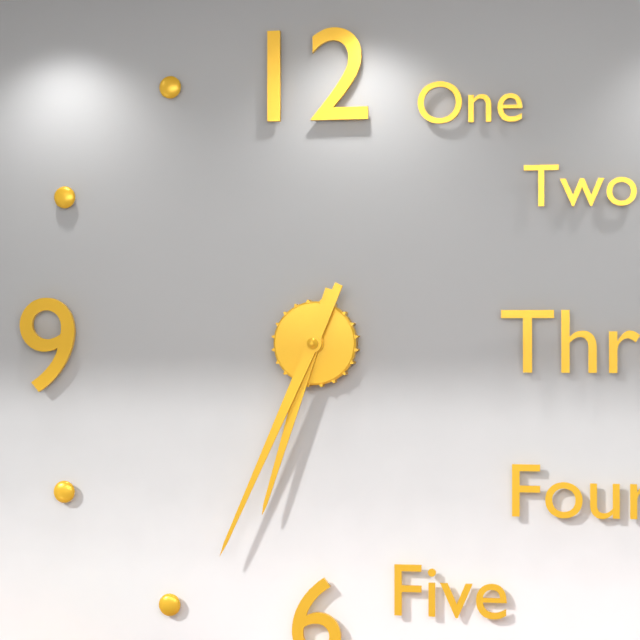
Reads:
{"hour": 6, "minute": 34}
